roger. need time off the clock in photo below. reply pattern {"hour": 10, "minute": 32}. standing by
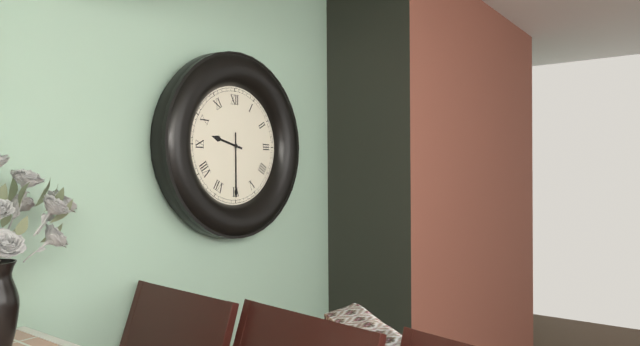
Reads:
{"hour": 9, "minute": 30}
